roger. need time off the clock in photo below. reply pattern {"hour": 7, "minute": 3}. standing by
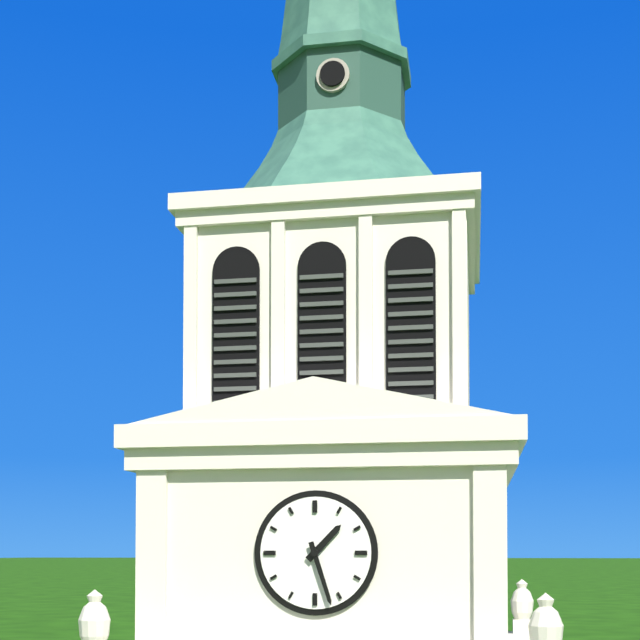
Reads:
{"hour": 1, "minute": 27}
